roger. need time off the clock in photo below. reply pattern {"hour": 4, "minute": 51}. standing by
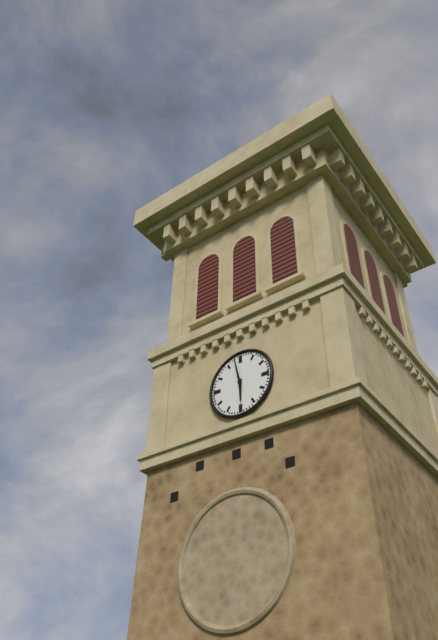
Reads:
{"hour": 5, "minute": 58}
